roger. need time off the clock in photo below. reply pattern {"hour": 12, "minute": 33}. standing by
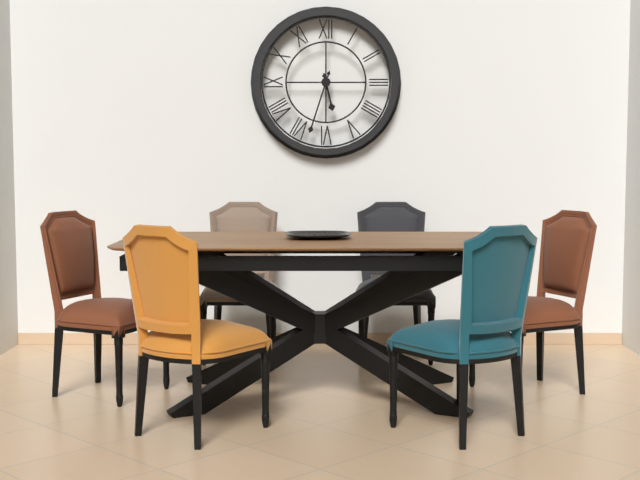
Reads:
{"hour": 5, "minute": 33}
